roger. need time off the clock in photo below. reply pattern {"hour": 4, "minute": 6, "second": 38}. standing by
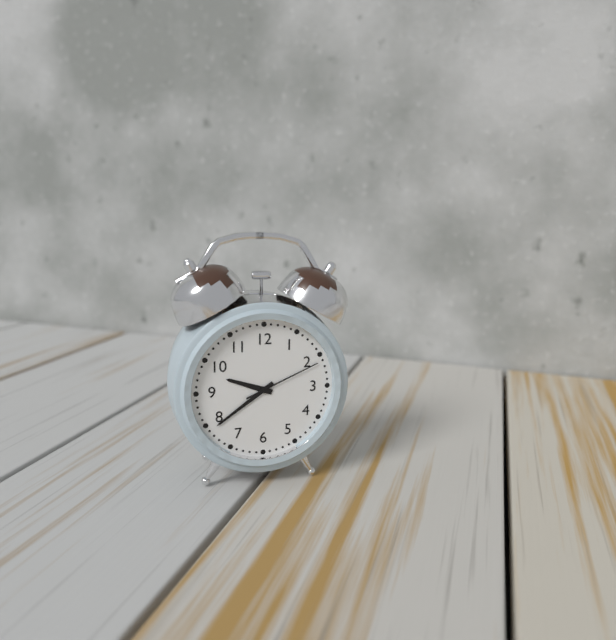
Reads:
{"hour": 9, "minute": 39, "second": 11}
